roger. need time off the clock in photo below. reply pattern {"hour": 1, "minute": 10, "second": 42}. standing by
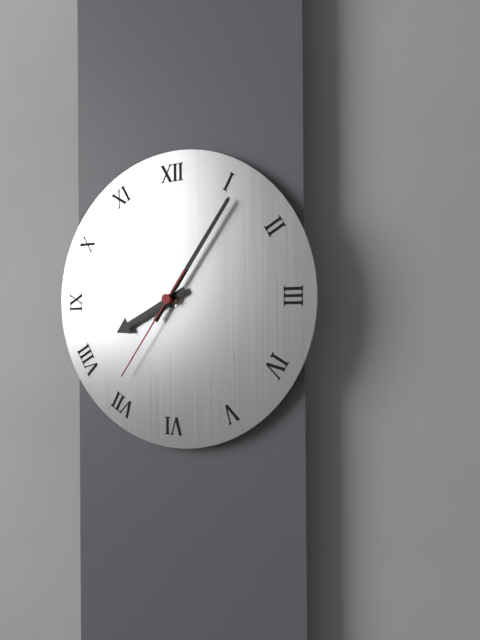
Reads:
{"hour": 8, "minute": 6, "second": 36}
